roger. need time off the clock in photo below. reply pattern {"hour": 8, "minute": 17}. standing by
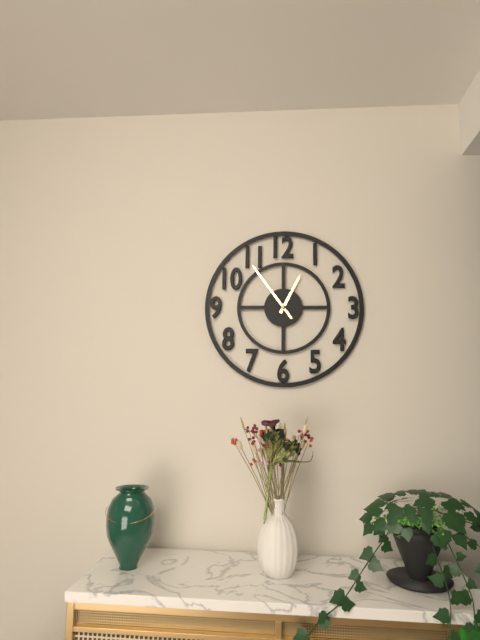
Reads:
{"hour": 12, "minute": 54}
